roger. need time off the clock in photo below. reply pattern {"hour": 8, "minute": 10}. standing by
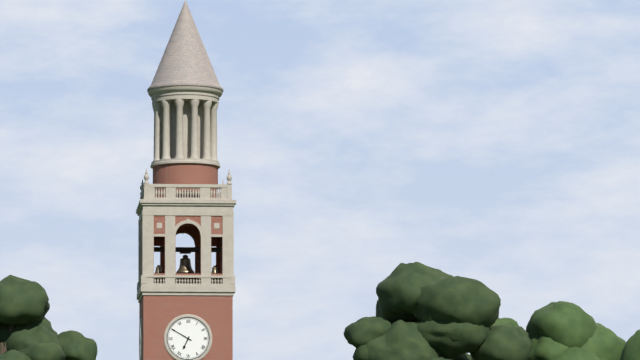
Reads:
{"hour": 6, "minute": 50}
